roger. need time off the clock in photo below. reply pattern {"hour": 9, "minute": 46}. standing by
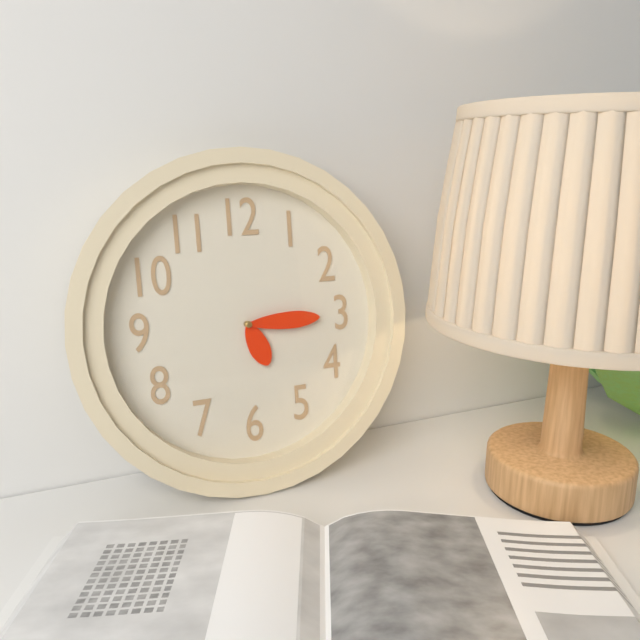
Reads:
{"hour": 5, "minute": 15}
